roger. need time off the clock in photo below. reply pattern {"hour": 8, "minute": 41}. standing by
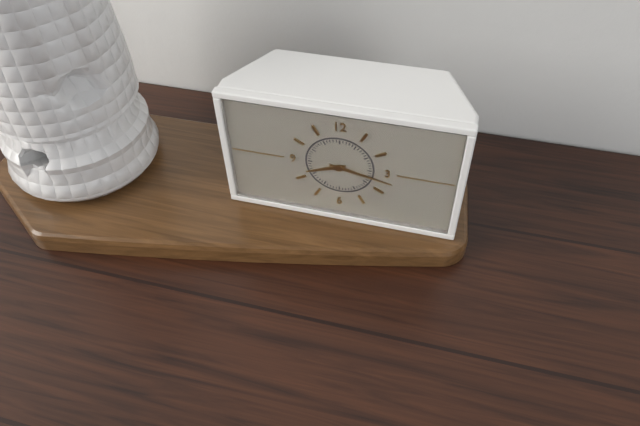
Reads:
{"hour": 8, "minute": 17}
